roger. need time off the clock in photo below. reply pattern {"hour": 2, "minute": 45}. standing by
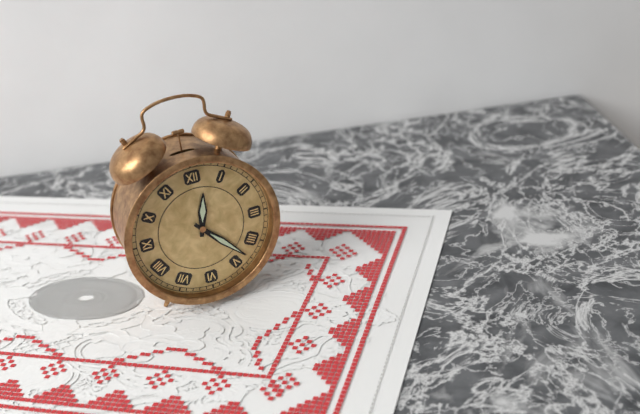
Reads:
{"hour": 12, "minute": 23}
